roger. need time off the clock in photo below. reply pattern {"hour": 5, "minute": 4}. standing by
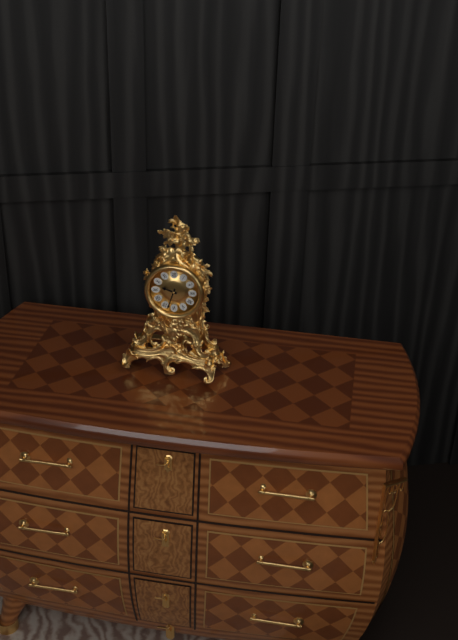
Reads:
{"hour": 9, "minute": 33}
